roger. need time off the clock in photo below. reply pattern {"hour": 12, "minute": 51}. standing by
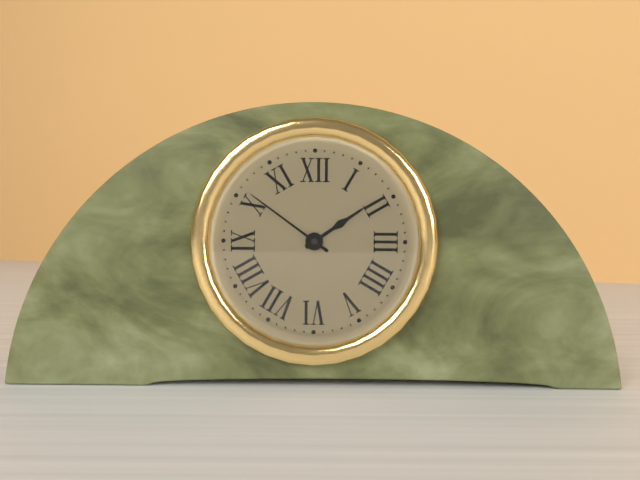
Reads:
{"hour": 1, "minute": 51}
